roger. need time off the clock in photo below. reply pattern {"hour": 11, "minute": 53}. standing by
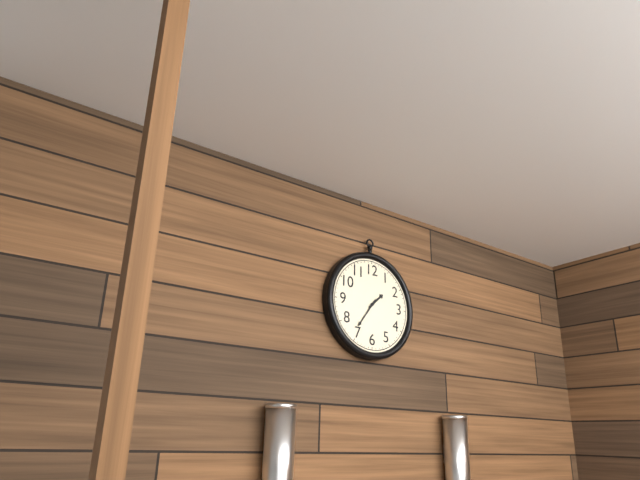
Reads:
{"hour": 1, "minute": 36}
